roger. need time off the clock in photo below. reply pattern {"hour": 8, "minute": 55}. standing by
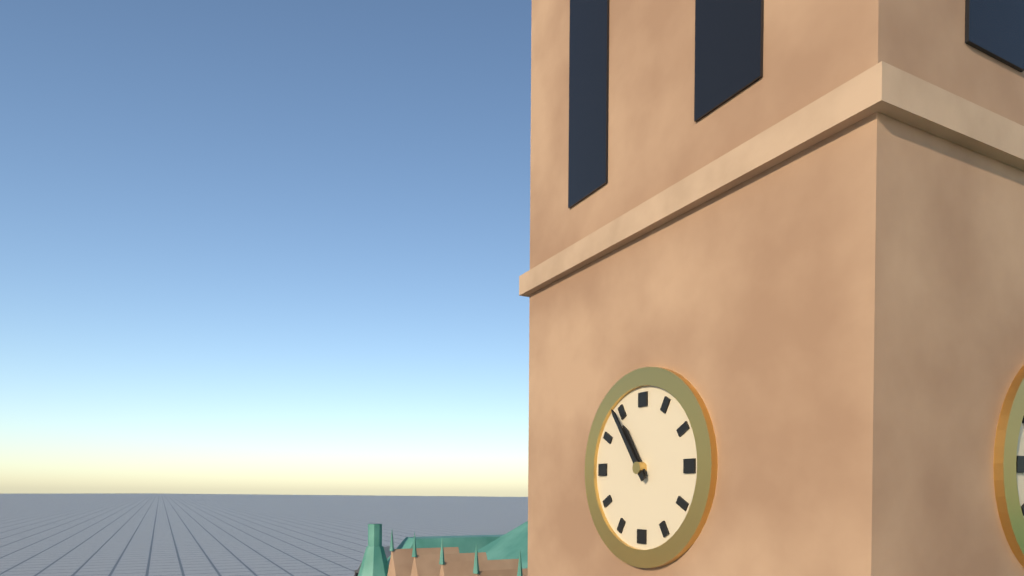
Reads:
{"hour": 10, "minute": 54}
